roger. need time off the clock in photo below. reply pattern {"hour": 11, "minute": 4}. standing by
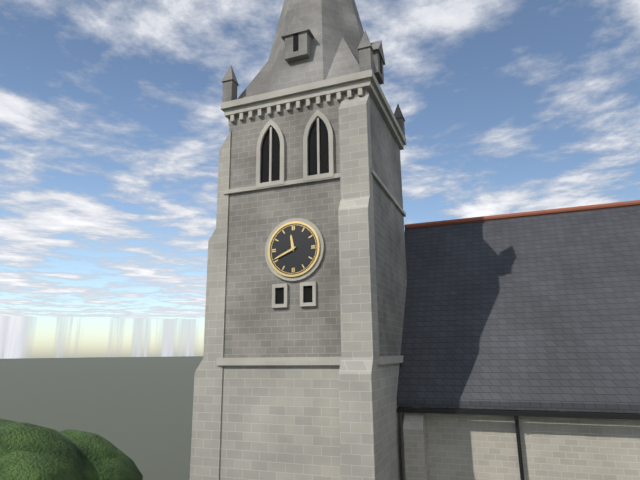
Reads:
{"hour": 11, "minute": 41}
